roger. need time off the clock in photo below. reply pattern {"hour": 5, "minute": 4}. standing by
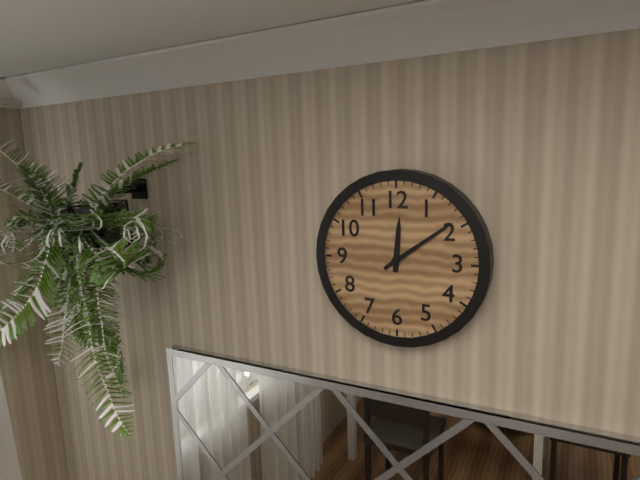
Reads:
{"hour": 12, "minute": 9}
